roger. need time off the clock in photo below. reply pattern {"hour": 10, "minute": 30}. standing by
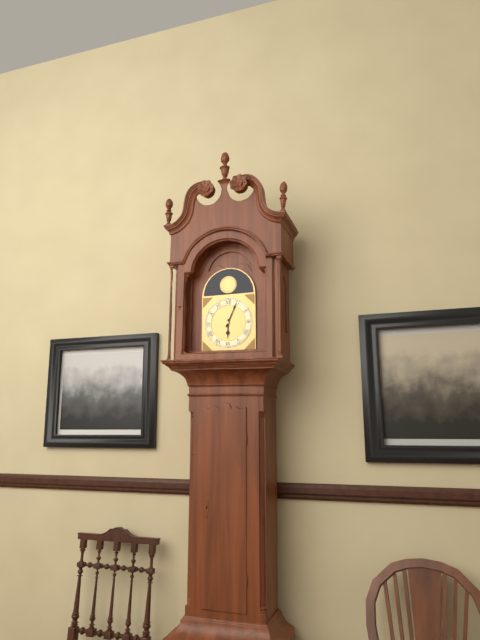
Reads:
{"hour": 6, "minute": 4}
